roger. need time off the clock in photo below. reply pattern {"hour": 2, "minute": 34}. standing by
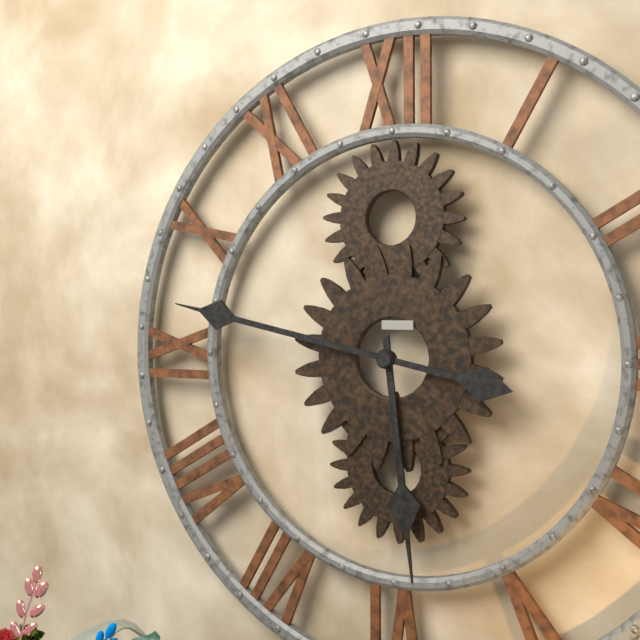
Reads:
{"hour": 5, "minute": 47}
